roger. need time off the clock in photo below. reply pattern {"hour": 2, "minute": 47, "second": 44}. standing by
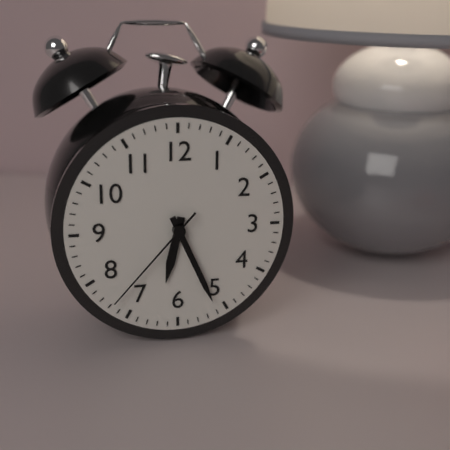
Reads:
{"hour": 6, "minute": 26, "second": 37}
